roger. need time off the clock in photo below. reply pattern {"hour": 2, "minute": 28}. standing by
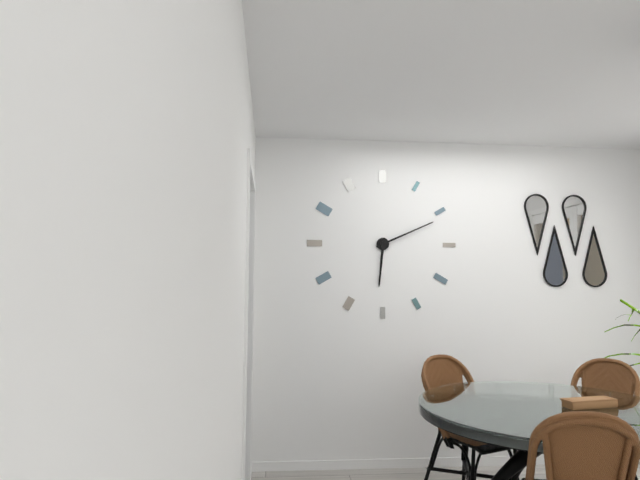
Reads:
{"hour": 6, "minute": 11}
